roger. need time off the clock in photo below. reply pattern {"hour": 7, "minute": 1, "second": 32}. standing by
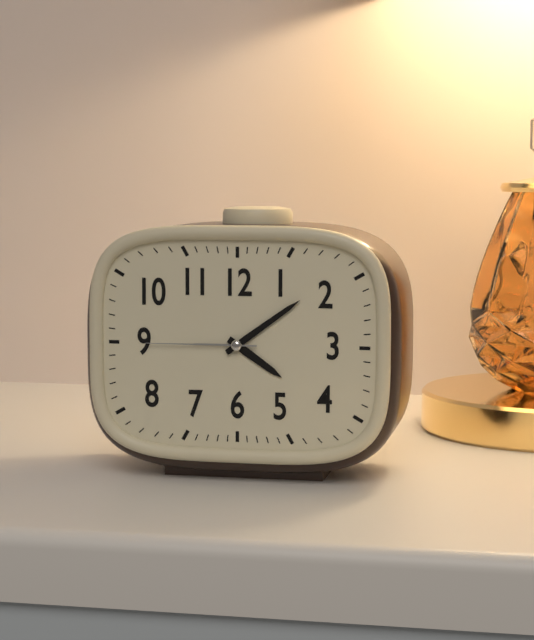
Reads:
{"hour": 4, "minute": 9, "second": 45}
